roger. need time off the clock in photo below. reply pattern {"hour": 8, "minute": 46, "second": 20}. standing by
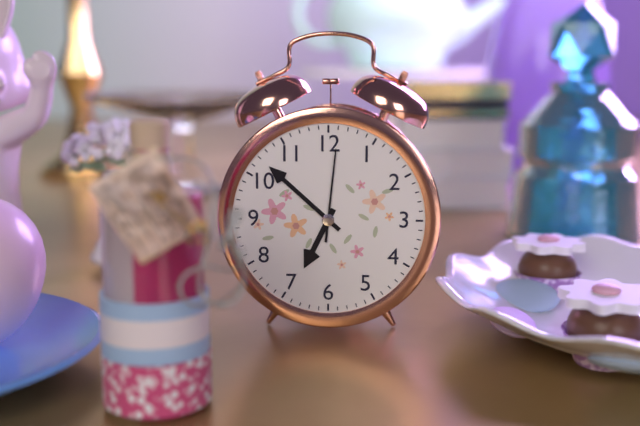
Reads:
{"hour": 6, "minute": 52, "second": 1}
